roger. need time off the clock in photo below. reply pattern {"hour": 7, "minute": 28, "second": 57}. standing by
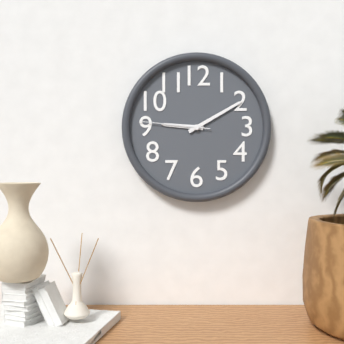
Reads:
{"hour": 9, "minute": 10, "second": 46}
